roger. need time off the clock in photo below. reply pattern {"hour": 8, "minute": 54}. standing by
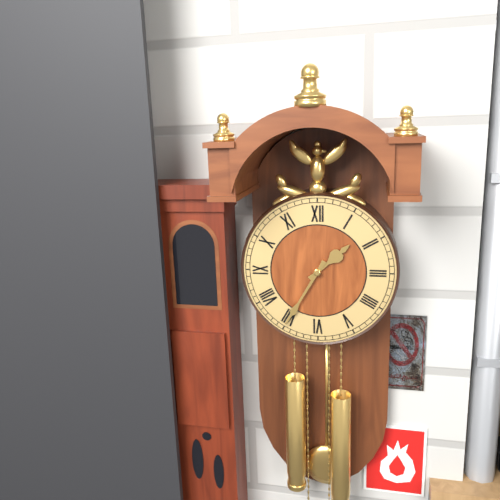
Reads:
{"hour": 1, "minute": 35}
